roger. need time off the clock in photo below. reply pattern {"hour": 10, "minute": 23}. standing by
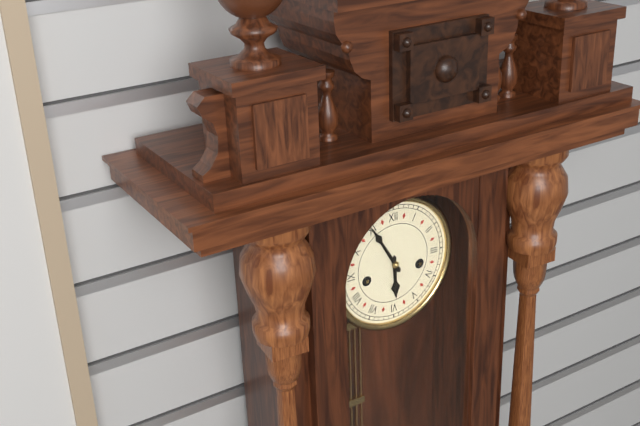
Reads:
{"hour": 5, "minute": 55}
